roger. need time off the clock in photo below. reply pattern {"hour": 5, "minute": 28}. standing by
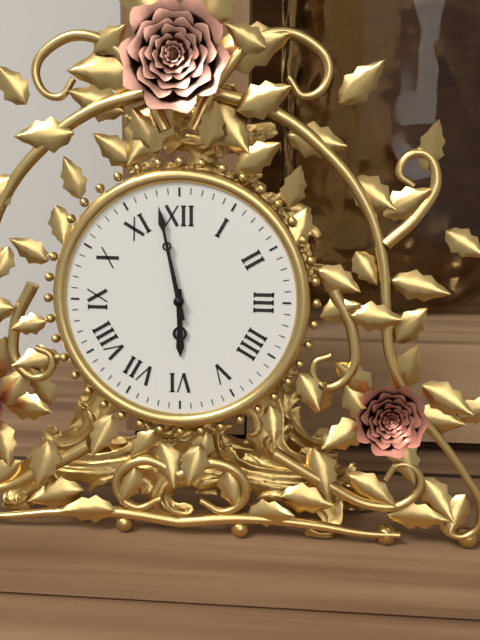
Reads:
{"hour": 5, "minute": 58}
